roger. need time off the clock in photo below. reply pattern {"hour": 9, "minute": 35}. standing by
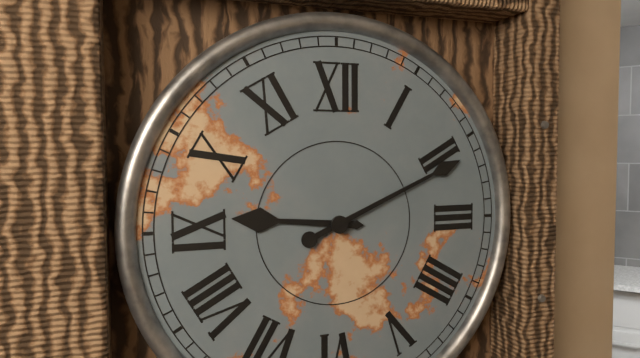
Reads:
{"hour": 9, "minute": 11}
